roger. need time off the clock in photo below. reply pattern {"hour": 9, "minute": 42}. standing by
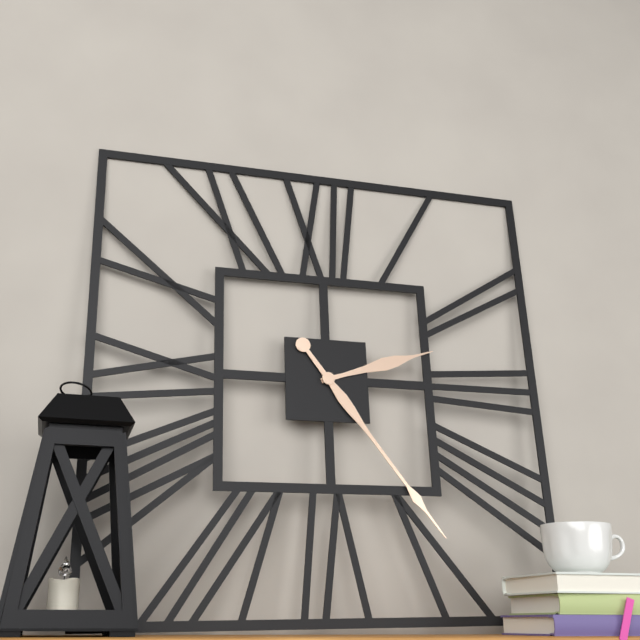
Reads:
{"hour": 2, "minute": 24}
